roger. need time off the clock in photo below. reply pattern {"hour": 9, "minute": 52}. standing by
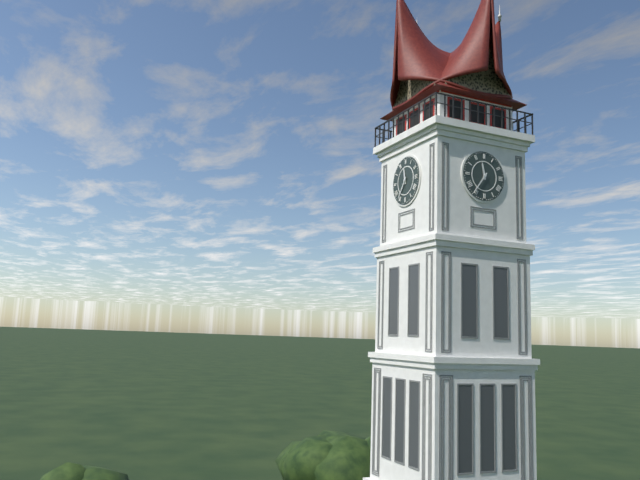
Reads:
{"hour": 11, "minute": 36}
